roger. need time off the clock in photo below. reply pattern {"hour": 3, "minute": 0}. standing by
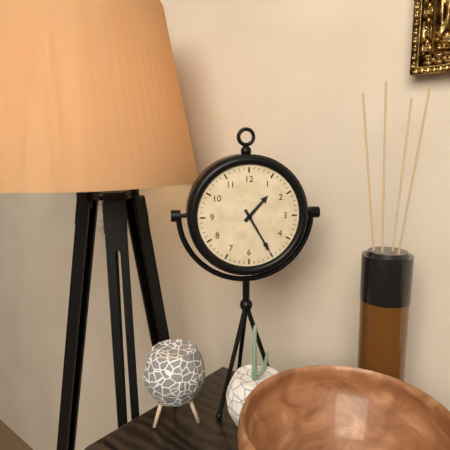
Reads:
{"hour": 1, "minute": 25}
